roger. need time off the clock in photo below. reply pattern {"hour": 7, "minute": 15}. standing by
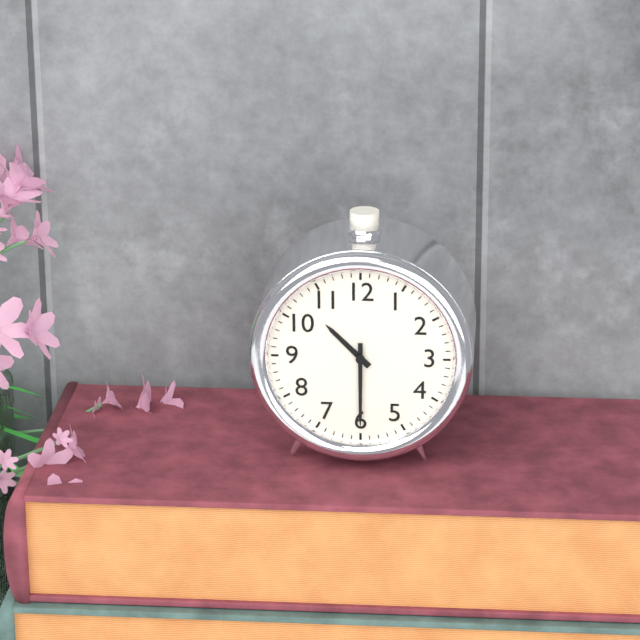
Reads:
{"hour": 10, "minute": 30}
